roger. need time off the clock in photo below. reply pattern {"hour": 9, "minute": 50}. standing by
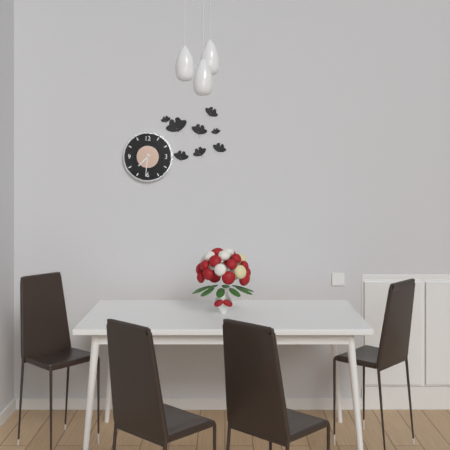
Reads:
{"hour": 7, "minute": 31}
